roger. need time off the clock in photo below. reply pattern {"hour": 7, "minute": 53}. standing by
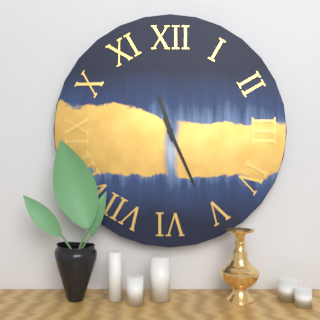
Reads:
{"hour": 11, "minute": 26}
